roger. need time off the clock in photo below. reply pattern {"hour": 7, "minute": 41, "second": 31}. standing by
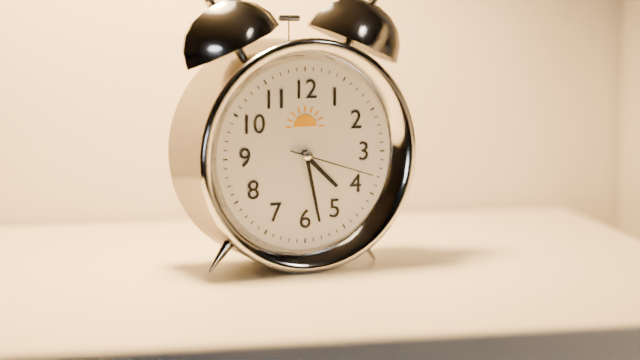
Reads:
{"hour": 4, "minute": 28, "second": 18}
